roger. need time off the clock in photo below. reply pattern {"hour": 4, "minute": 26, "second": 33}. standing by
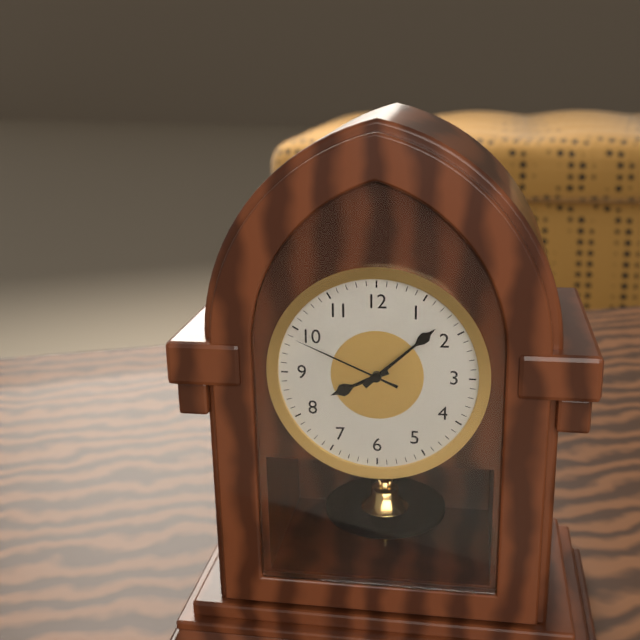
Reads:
{"hour": 8, "minute": 8, "second": 49}
